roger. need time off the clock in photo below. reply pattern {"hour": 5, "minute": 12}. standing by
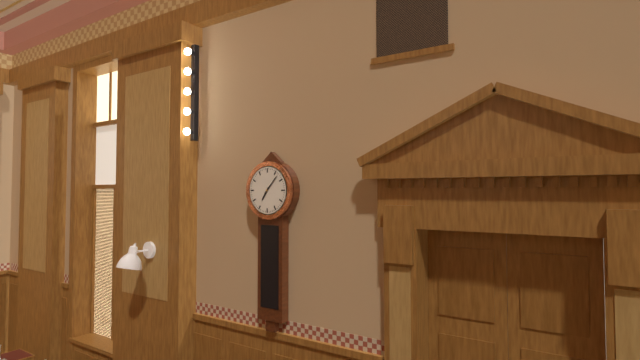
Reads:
{"hour": 7, "minute": 7}
